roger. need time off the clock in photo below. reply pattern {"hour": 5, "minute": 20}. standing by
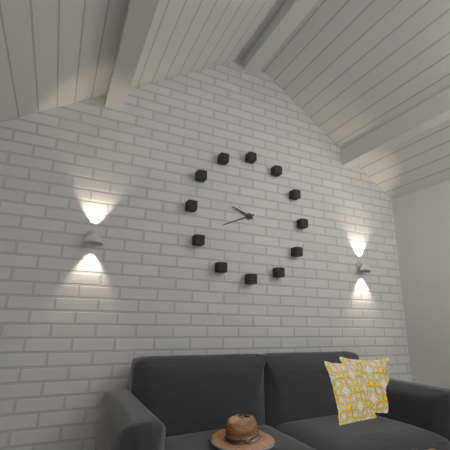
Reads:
{"hour": 9, "minute": 41}
